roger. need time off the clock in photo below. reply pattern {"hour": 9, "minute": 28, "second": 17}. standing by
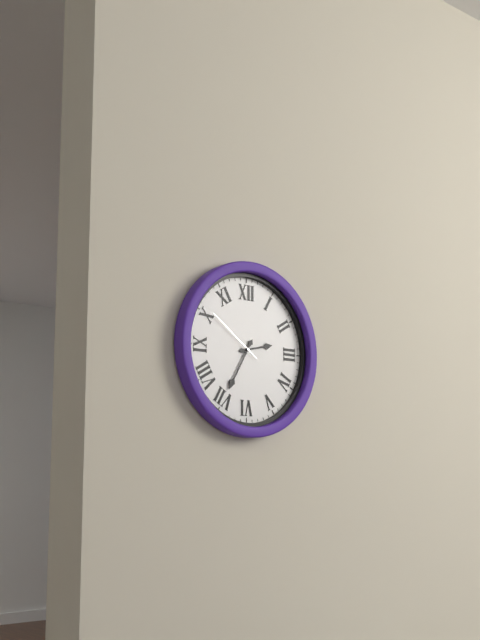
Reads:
{"hour": 2, "minute": 35, "second": 51}
